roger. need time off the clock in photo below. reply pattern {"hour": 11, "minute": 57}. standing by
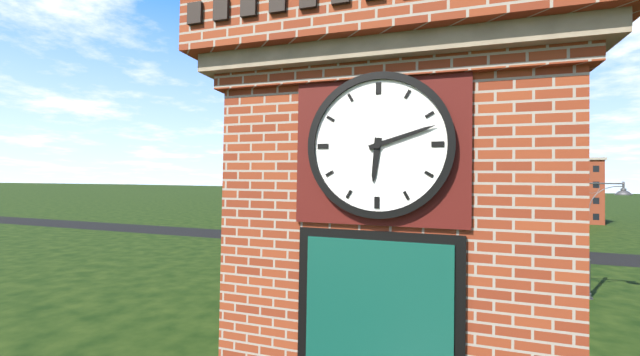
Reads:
{"hour": 6, "minute": 12}
